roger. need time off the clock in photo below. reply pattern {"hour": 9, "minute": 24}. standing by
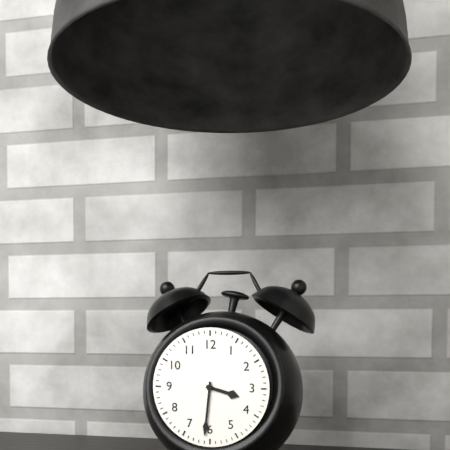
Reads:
{"hour": 3, "minute": 31}
